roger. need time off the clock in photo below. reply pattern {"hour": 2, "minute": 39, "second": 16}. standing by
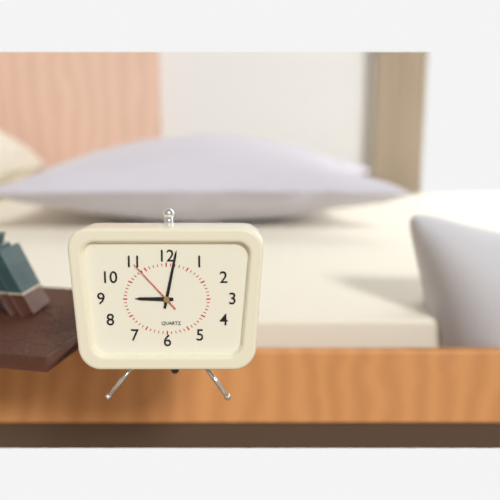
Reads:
{"hour": 9, "minute": 2, "second": 53}
